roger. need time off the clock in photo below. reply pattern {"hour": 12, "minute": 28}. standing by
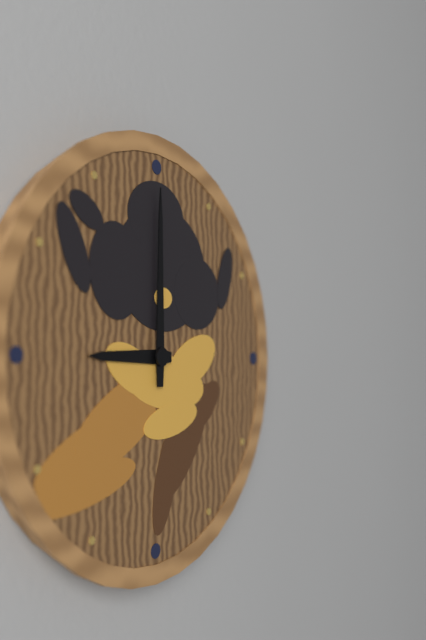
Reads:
{"hour": 9, "minute": 0}
